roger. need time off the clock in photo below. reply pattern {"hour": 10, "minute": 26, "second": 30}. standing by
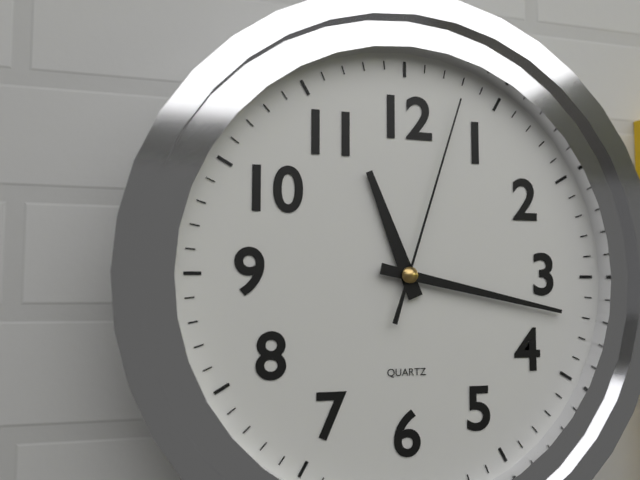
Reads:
{"hour": 11, "minute": 17, "second": 3}
